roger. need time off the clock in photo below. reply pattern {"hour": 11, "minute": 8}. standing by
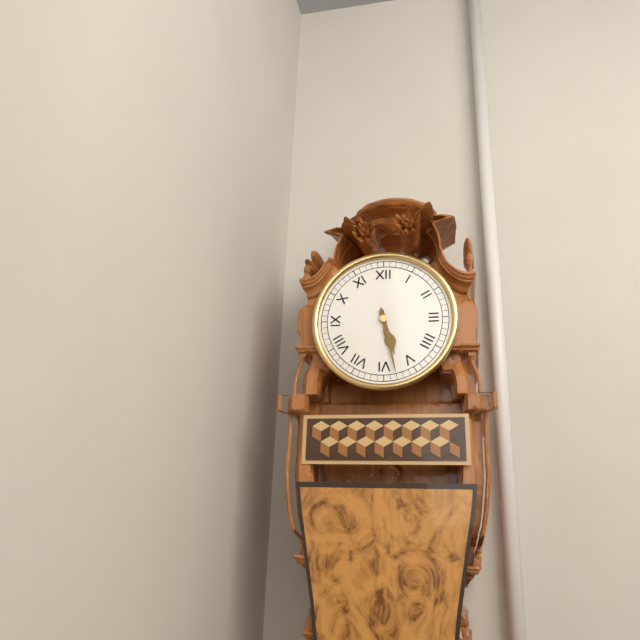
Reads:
{"hour": 5, "minute": 28}
